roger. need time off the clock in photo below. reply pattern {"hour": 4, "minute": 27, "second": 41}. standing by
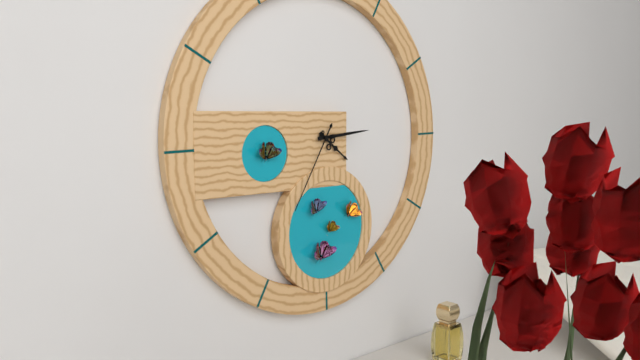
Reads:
{"hour": 4, "minute": 14, "second": 35}
